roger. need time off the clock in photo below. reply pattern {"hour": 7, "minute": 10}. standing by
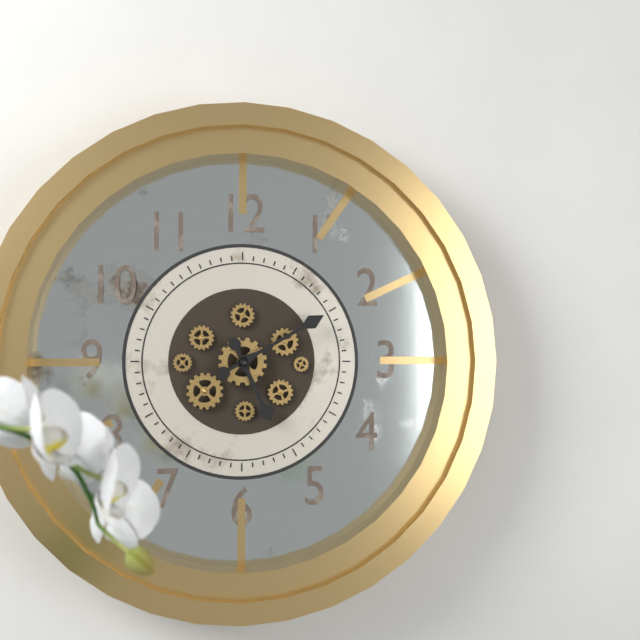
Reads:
{"hour": 5, "minute": 10}
